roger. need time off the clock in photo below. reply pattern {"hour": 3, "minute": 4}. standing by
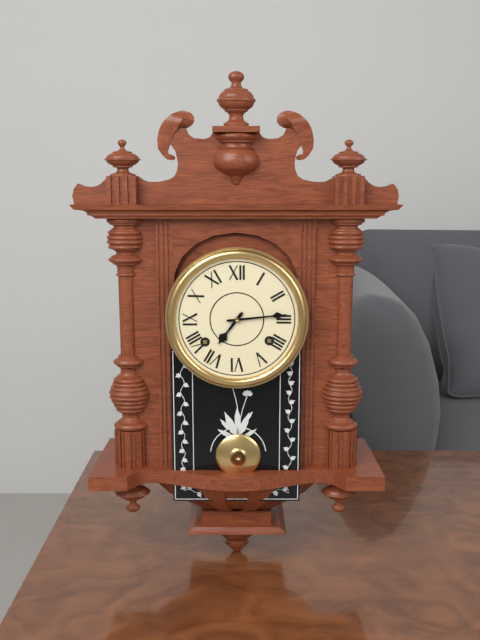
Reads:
{"hour": 7, "minute": 14}
